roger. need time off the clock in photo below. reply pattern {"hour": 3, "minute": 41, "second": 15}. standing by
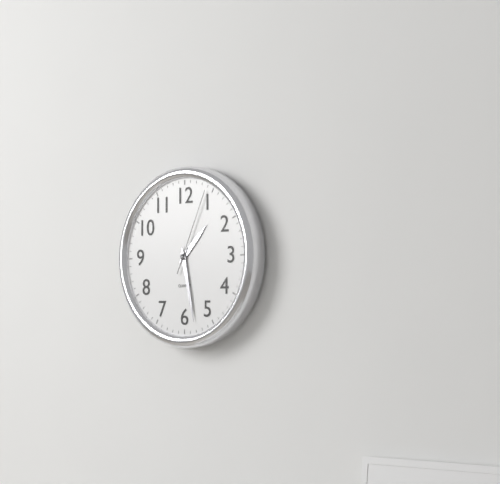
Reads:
{"hour": 1, "minute": 28, "second": 4}
